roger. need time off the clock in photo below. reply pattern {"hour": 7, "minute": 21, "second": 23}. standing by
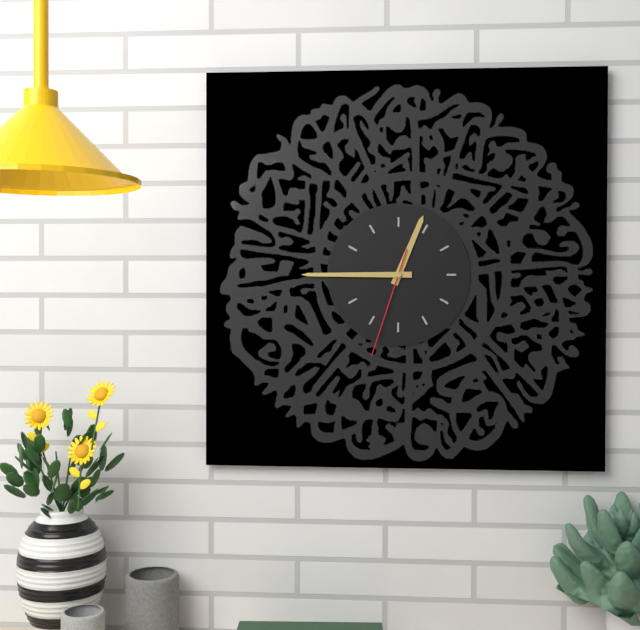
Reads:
{"hour": 12, "minute": 45, "second": 33}
